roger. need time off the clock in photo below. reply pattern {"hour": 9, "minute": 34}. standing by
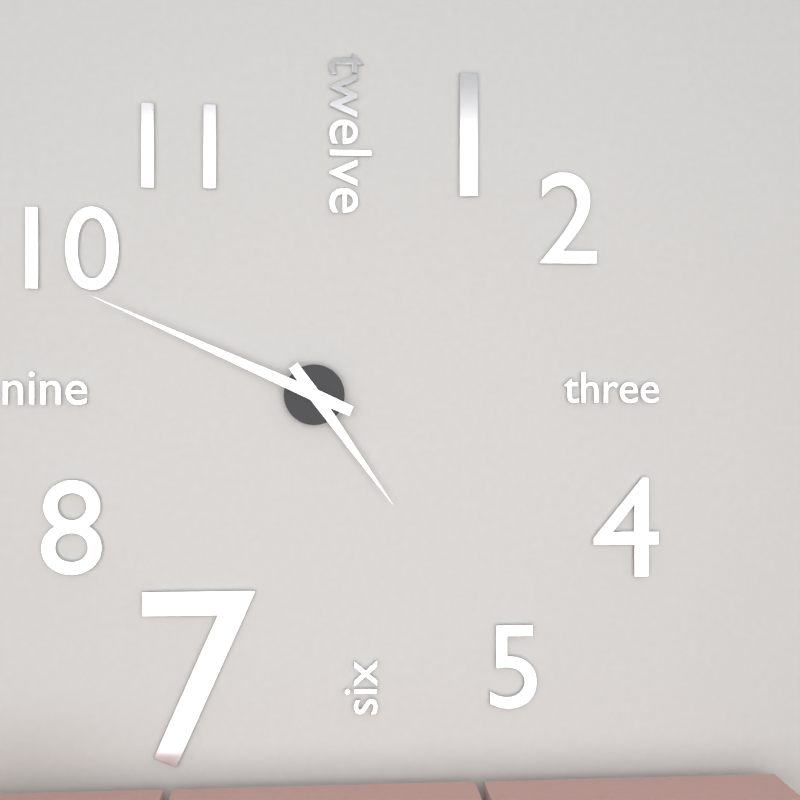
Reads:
{"hour": 4, "minute": 49}
